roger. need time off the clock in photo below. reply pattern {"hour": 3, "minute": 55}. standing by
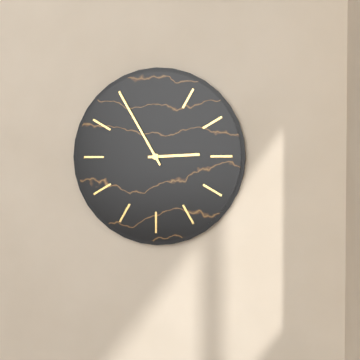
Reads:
{"hour": 2, "minute": 55}
